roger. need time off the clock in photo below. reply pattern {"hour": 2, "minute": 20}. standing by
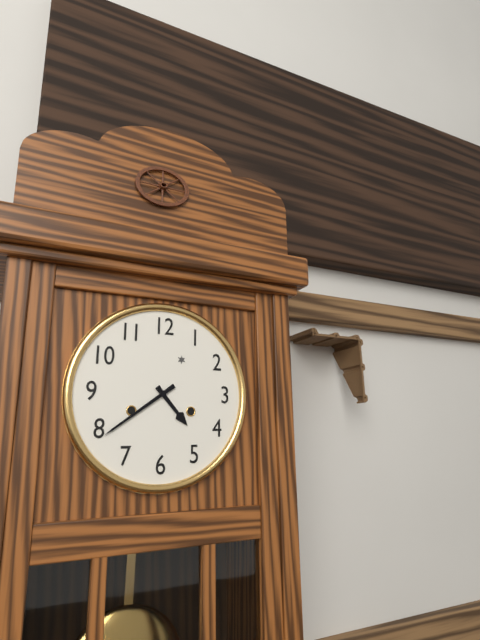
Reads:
{"hour": 4, "minute": 39}
